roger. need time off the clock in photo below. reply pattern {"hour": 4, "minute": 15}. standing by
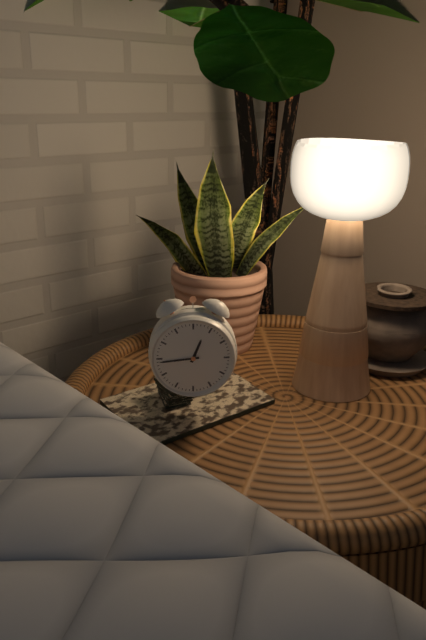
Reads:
{"hour": 12, "minute": 44}
